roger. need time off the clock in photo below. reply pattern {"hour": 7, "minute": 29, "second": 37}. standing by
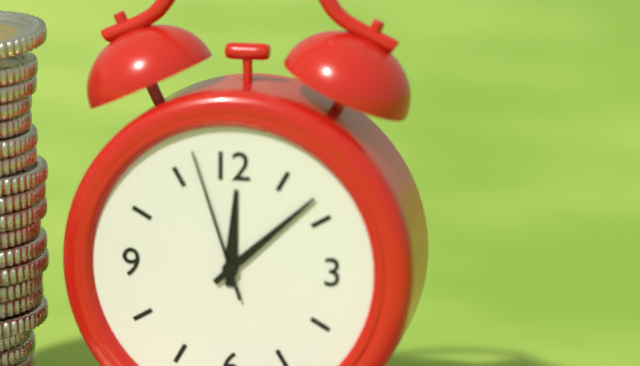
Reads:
{"hour": 12, "minute": 8, "second": 57}
